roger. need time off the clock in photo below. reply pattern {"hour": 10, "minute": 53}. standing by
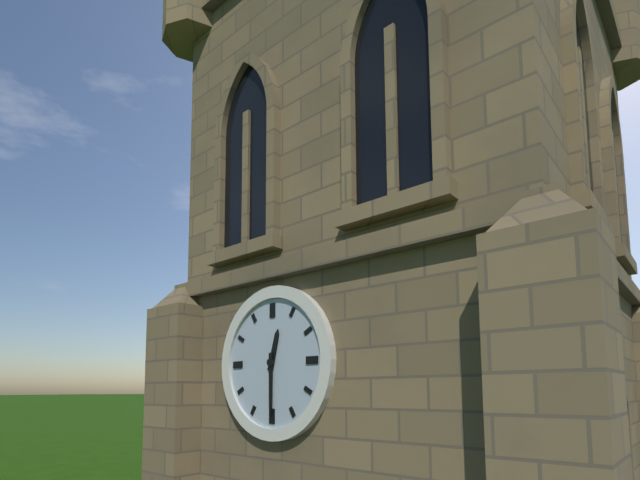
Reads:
{"hour": 12, "minute": 30}
